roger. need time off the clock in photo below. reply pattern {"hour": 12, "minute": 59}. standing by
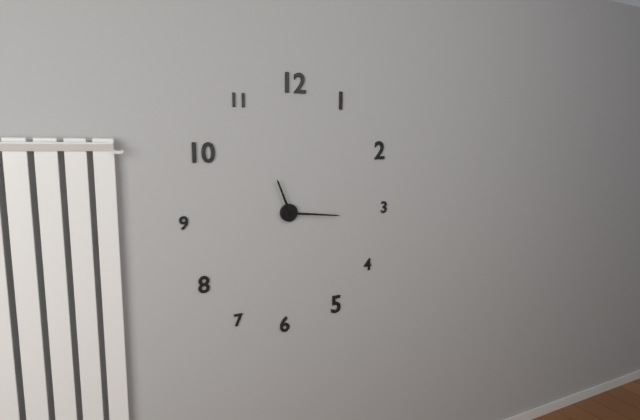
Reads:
{"hour": 11, "minute": 16}
